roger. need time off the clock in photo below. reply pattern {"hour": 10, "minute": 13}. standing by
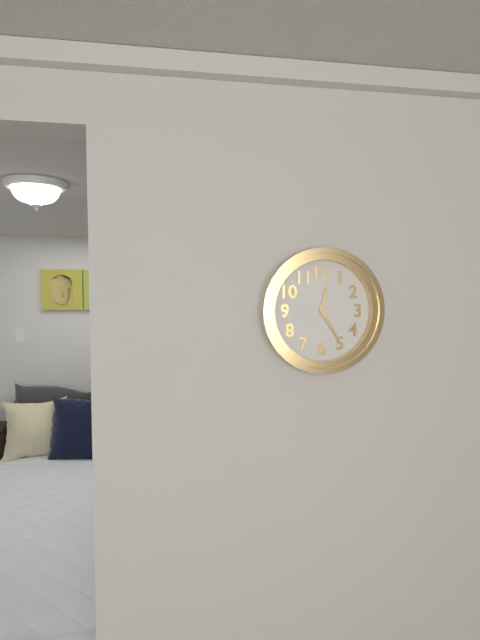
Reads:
{"hour": 12, "minute": 25}
